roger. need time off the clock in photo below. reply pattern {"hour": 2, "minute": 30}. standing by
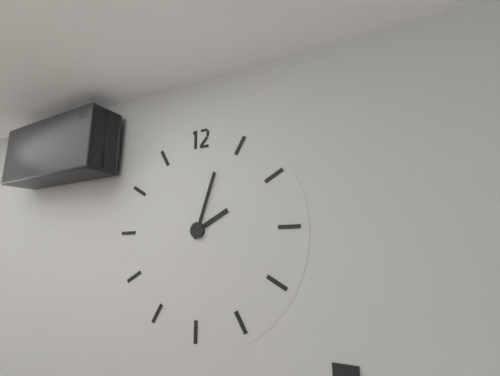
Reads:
{"hour": 2, "minute": 3}
